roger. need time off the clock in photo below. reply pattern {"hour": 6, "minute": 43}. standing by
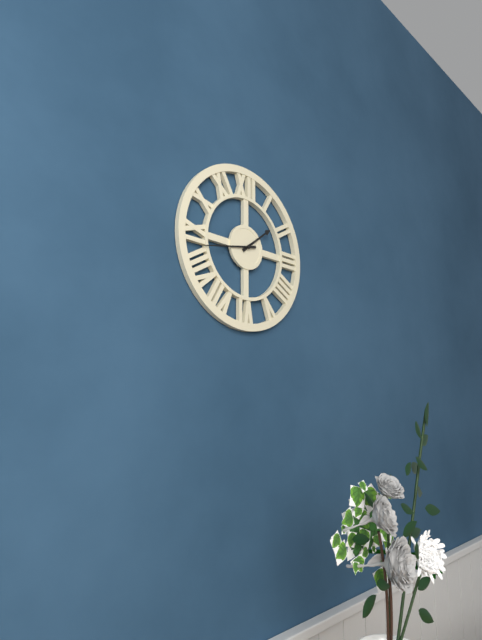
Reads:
{"hour": 1, "minute": 43}
